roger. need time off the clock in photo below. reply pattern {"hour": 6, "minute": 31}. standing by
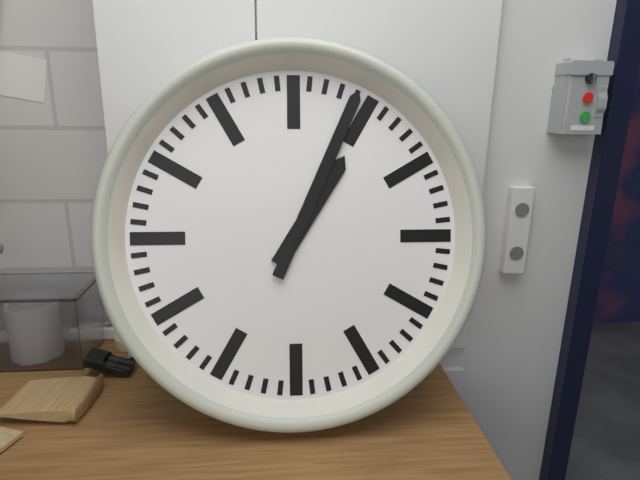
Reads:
{"hour": 1, "minute": 4}
